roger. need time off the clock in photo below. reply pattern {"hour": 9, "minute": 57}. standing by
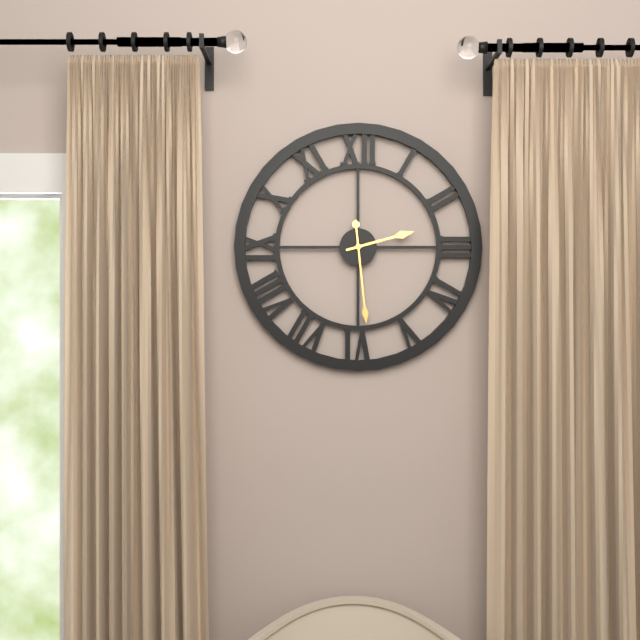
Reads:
{"hour": 2, "minute": 29}
